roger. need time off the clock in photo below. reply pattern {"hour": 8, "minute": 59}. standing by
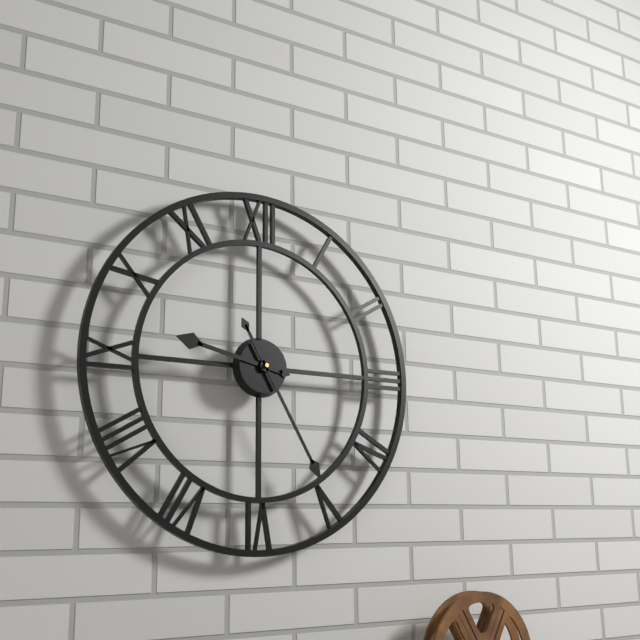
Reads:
{"hour": 9, "minute": 25}
